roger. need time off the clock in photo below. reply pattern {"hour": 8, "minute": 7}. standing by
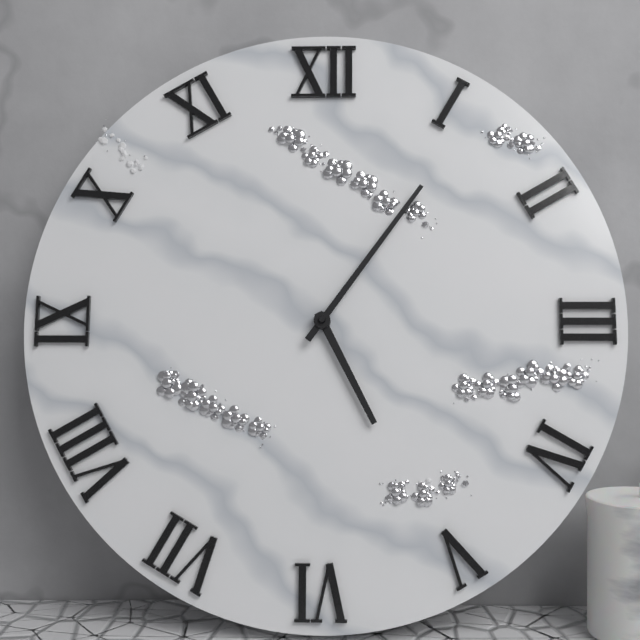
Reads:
{"hour": 5, "minute": 6}
